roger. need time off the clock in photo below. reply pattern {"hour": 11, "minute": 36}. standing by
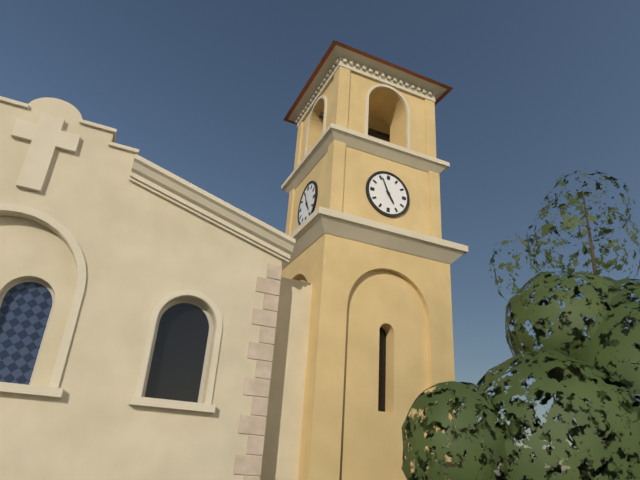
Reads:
{"hour": 4, "minute": 56}
